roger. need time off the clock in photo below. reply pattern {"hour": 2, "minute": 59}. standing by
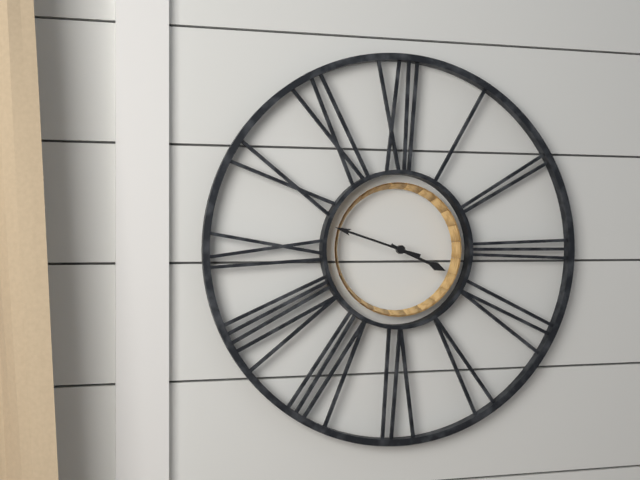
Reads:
{"hour": 3, "minute": 48}
